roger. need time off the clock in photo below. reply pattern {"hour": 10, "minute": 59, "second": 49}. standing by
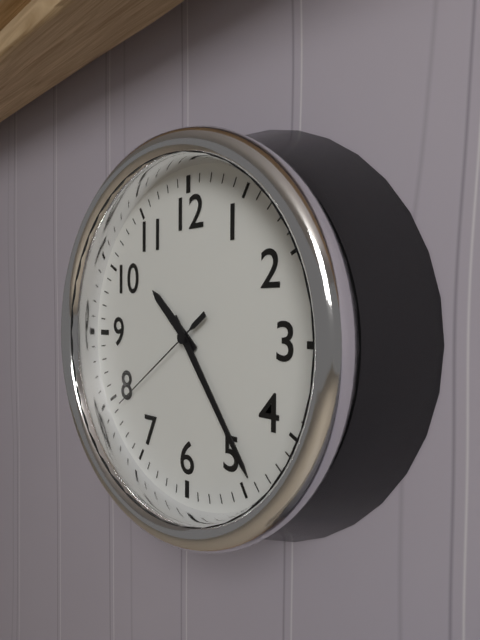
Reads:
{"hour": 10, "minute": 24, "second": 39}
